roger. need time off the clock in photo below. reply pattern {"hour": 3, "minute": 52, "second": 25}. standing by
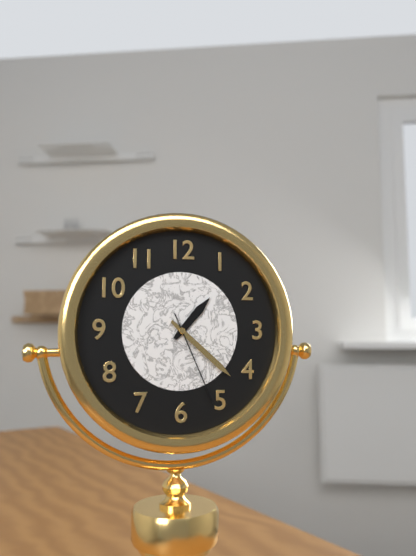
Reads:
{"hour": 1, "minute": 22, "second": 26}
